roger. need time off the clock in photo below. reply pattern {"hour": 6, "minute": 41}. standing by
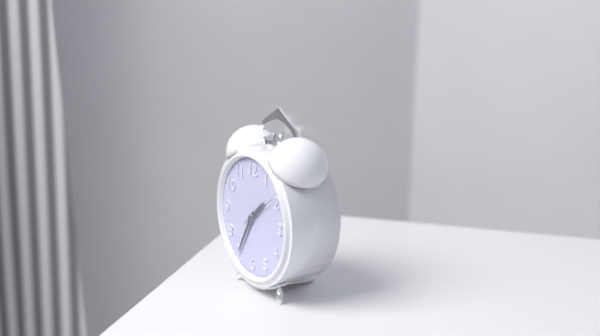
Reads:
{"hour": 1, "minute": 35}
